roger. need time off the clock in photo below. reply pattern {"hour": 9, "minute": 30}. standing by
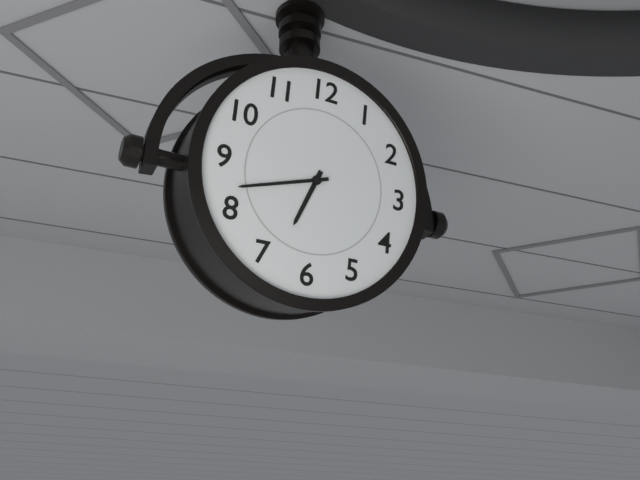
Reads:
{"hour": 6, "minute": 42}
